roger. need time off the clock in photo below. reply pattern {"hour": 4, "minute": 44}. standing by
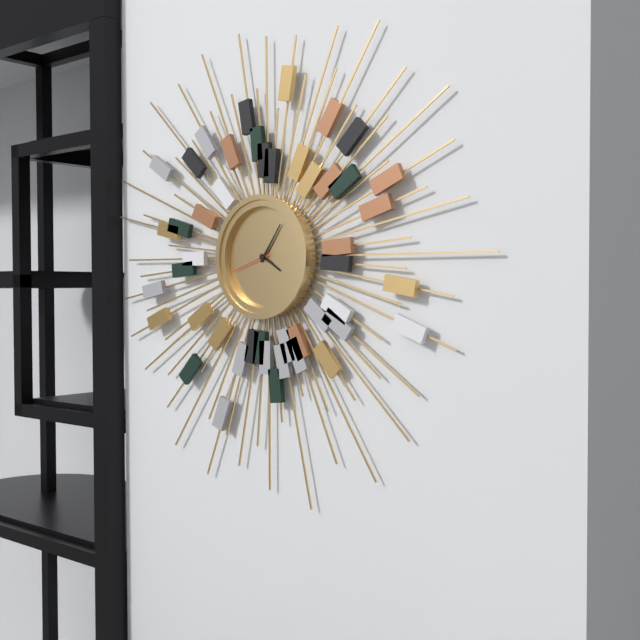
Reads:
{"hour": 4, "minute": 6}
